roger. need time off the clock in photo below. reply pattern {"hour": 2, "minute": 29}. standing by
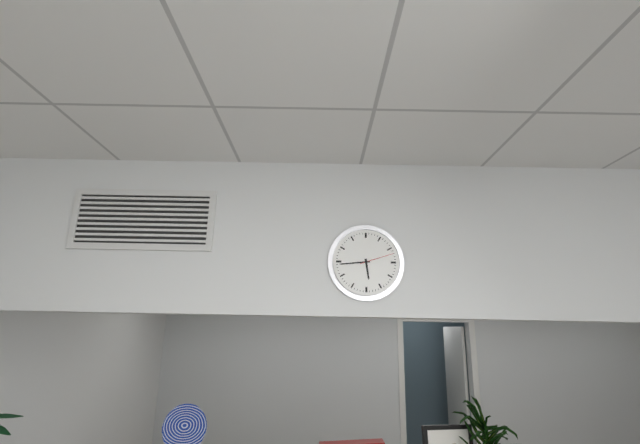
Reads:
{"hour": 5, "minute": 44}
